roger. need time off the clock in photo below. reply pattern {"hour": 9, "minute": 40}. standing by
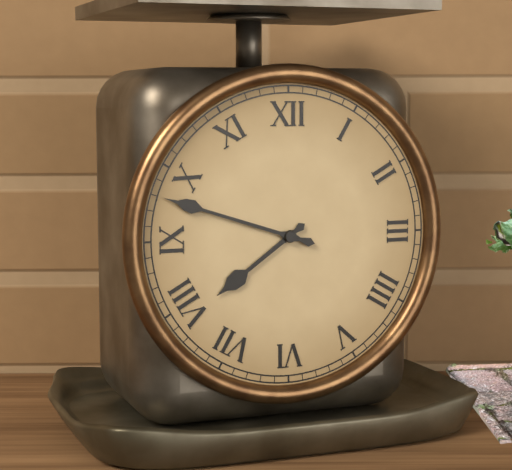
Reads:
{"hour": 7, "minute": 48}
